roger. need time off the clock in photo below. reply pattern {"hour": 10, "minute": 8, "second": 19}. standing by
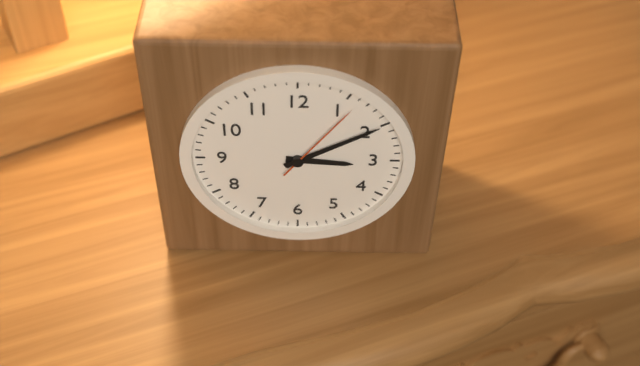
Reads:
{"hour": 3, "minute": 10, "second": 6}
